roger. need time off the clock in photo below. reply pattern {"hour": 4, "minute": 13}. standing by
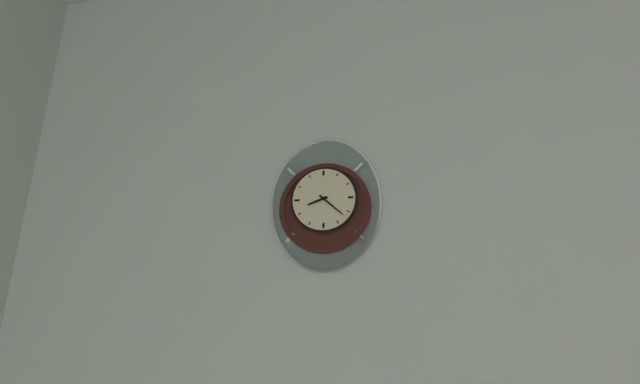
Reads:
{"hour": 8, "minute": 22}
